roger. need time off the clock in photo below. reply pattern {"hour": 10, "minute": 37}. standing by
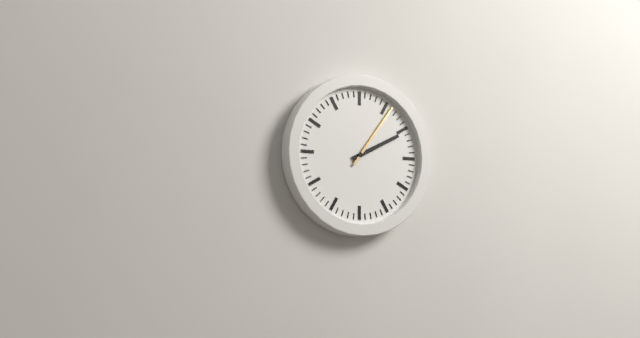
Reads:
{"hour": 2, "minute": 6}
